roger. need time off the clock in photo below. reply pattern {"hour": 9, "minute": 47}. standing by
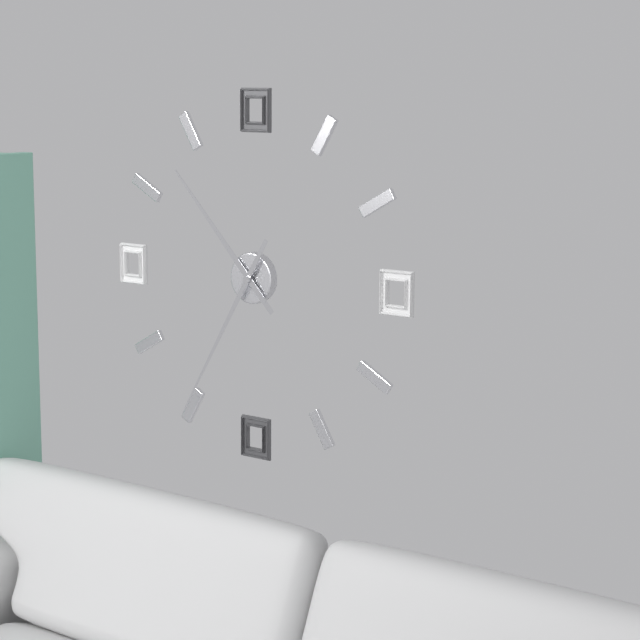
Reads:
{"hour": 10, "minute": 35}
